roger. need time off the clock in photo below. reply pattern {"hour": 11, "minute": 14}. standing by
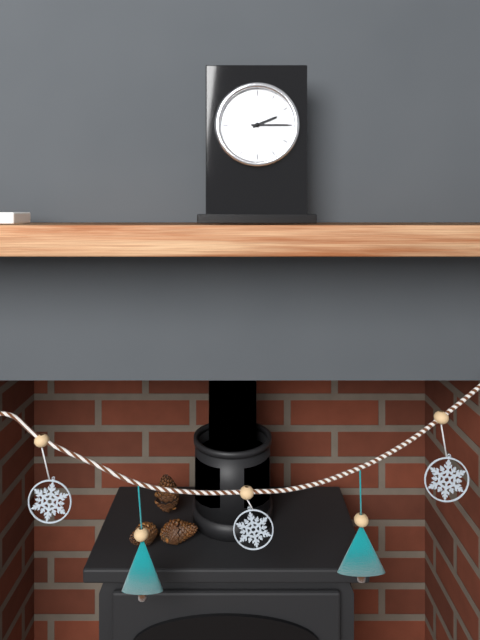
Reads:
{"hour": 2, "minute": 15}
